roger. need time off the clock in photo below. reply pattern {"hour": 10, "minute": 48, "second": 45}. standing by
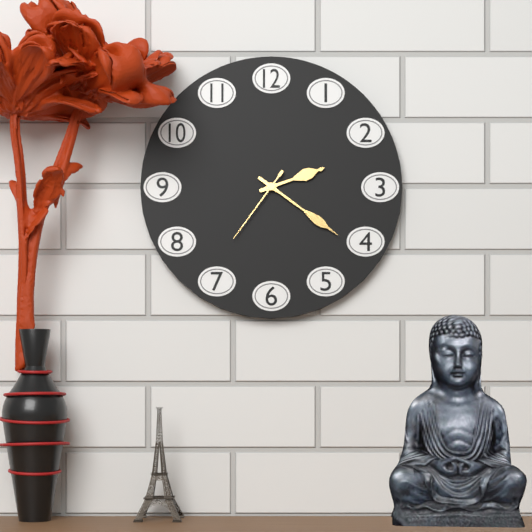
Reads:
{"hour": 2, "minute": 21, "second": 36}
